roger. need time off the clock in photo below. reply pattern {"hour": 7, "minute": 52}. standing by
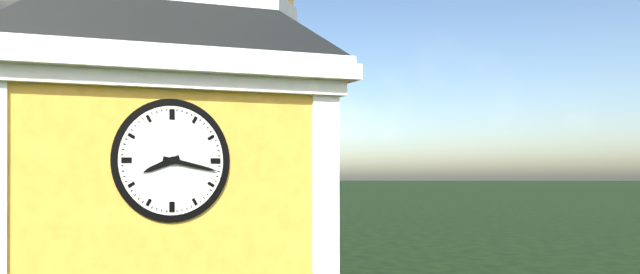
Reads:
{"hour": 8, "minute": 17}
